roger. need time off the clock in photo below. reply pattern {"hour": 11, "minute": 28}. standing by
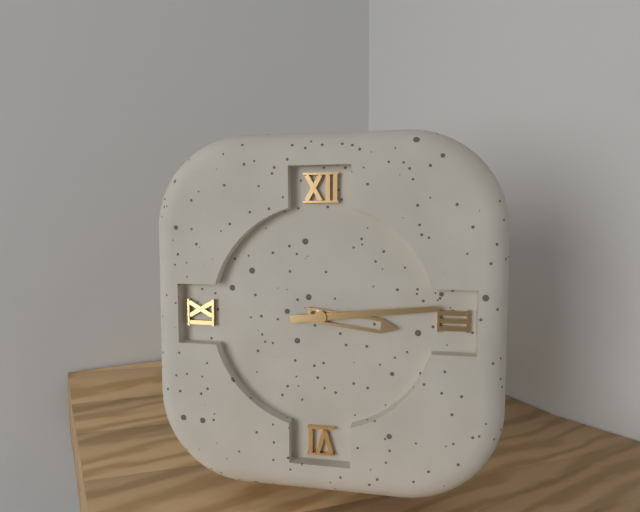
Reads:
{"hour": 3, "minute": 14}
